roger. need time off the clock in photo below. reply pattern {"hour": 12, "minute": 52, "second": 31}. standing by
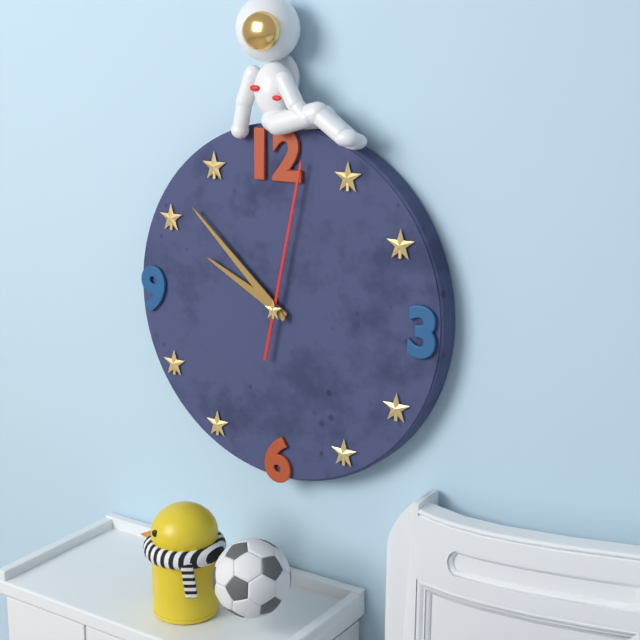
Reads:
{"hour": 9, "minute": 52, "second": 2}
